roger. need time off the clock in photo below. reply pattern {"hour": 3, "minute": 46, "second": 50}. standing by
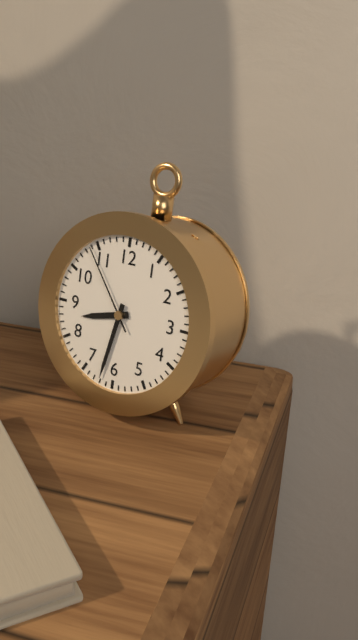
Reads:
{"hour": 8, "minute": 32, "second": 54}
